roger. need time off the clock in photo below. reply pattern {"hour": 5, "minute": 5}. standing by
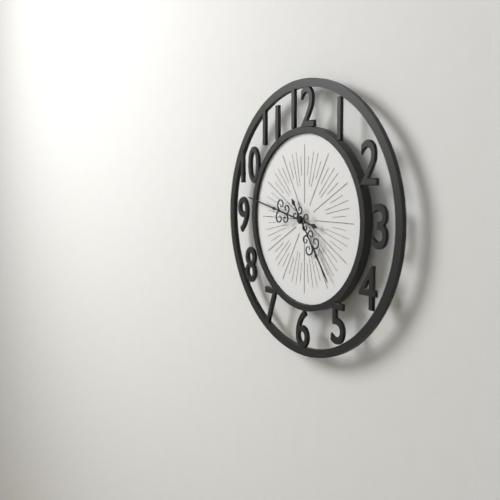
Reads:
{"hour": 4, "minute": 47}
